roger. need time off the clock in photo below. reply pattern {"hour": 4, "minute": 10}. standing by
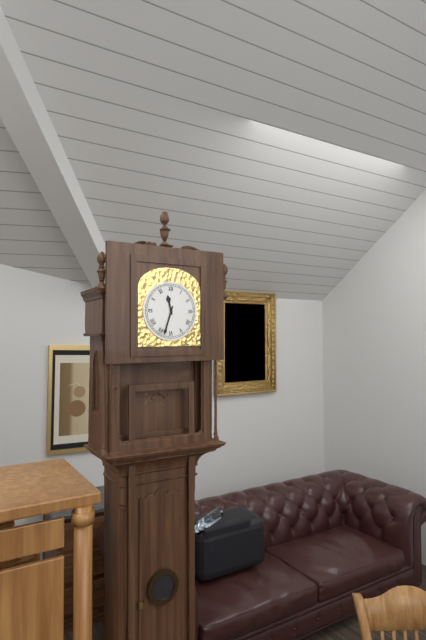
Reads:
{"hour": 11, "minute": 33}
